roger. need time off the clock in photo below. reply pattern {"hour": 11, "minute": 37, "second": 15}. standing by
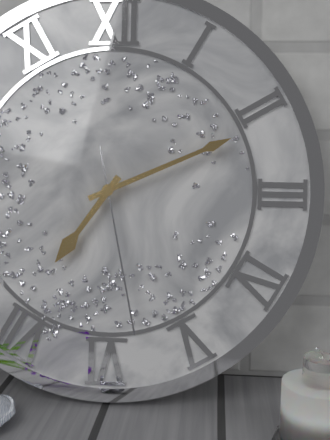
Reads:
{"hour": 7, "minute": 11, "second": 28}
